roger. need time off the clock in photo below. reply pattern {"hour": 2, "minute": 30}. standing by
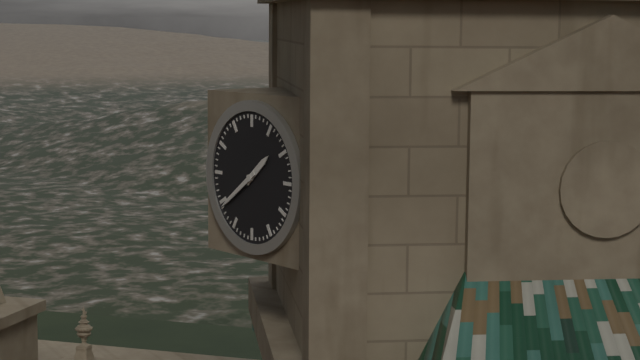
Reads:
{"hour": 1, "minute": 39}
